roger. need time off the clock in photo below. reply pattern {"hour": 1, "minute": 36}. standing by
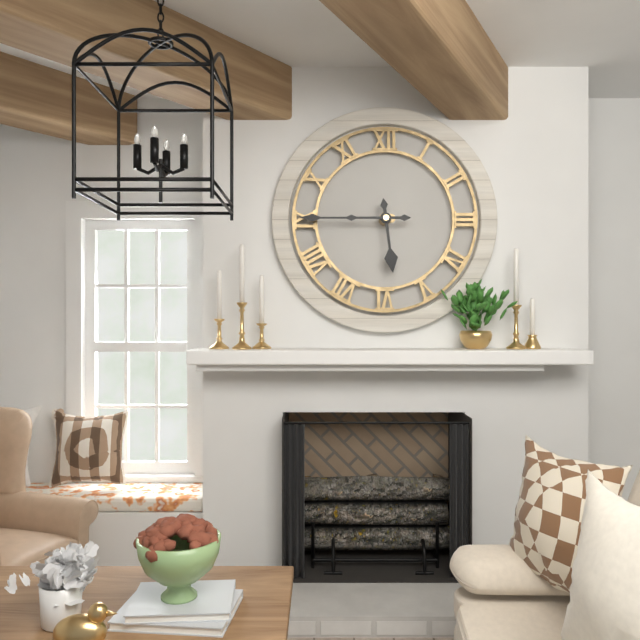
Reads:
{"hour": 5, "minute": 45}
